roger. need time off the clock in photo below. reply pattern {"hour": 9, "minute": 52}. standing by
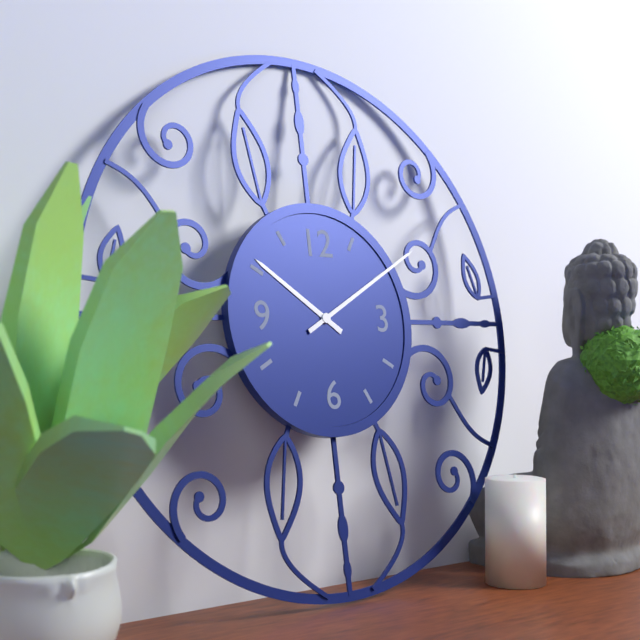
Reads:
{"hour": 10, "minute": 10}
